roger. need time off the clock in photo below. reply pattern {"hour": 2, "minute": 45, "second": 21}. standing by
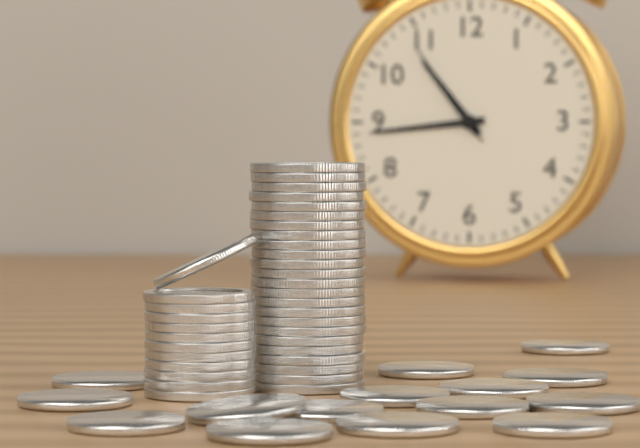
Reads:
{"hour": 10, "minute": 44, "second": 54}
